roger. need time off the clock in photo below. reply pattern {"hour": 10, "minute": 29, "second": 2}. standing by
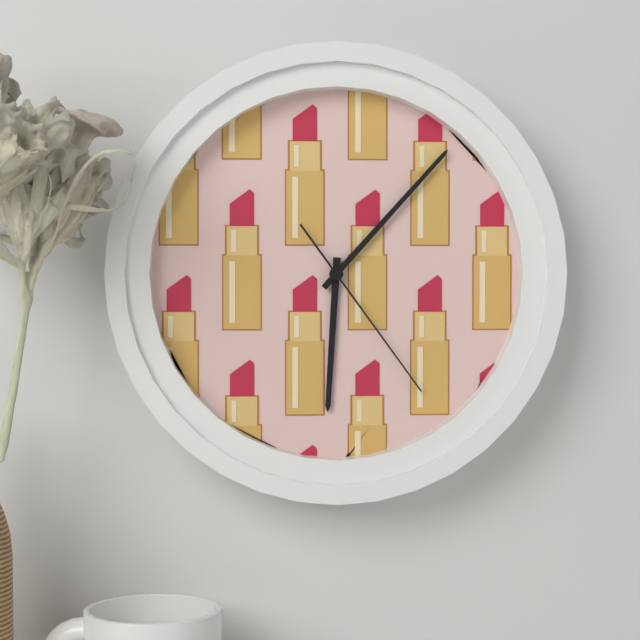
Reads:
{"hour": 6, "minute": 7, "second": 24}
